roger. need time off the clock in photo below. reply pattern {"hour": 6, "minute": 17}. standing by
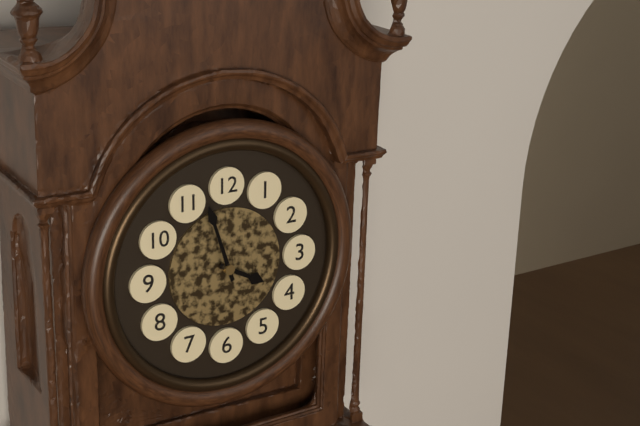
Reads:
{"hour": 3, "minute": 57}
